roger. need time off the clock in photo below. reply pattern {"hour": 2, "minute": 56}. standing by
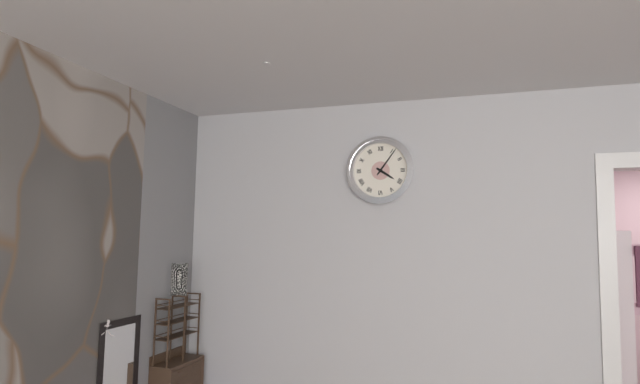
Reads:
{"hour": 4, "minute": 6}
